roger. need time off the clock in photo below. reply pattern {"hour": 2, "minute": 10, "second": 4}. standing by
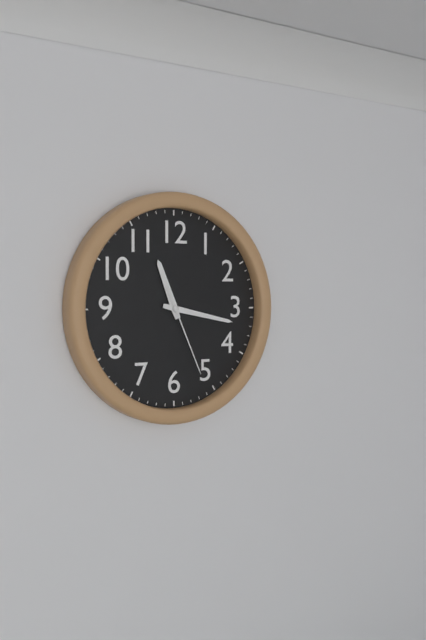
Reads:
{"hour": 11, "minute": 17, "second": 26}
